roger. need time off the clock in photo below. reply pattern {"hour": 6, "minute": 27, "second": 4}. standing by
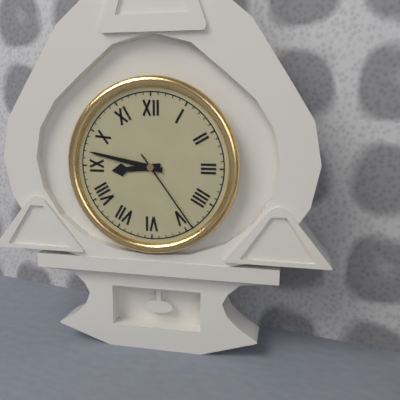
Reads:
{"hour": 8, "minute": 47, "second": 24}
